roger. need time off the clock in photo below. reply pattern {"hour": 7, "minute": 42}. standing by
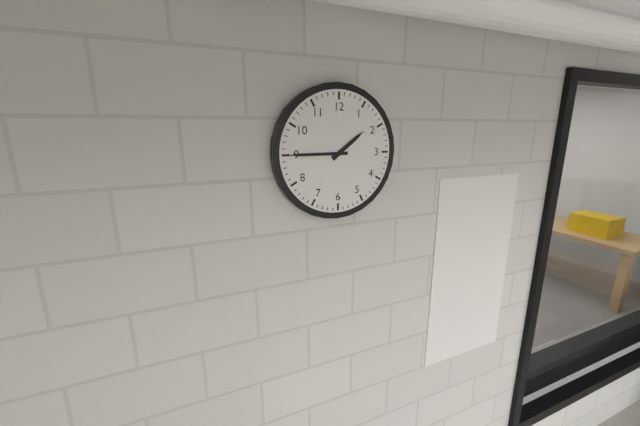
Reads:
{"hour": 1, "minute": 45}
